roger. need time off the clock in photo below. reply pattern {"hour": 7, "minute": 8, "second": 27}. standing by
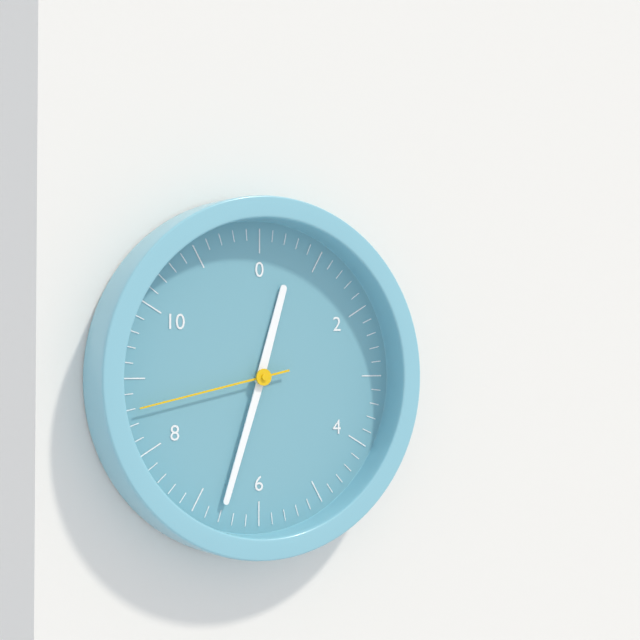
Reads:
{"hour": 12, "minute": 33, "second": 43}
